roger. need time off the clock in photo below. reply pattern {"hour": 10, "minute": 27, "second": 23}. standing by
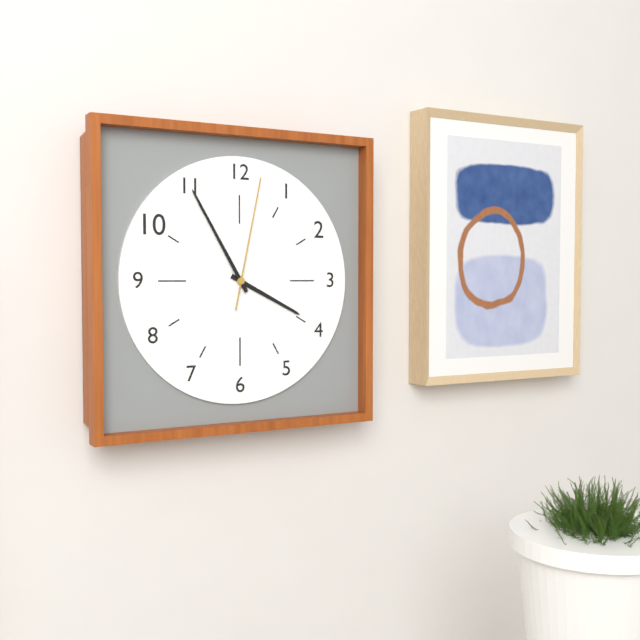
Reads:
{"hour": 3, "minute": 55, "second": 2}
